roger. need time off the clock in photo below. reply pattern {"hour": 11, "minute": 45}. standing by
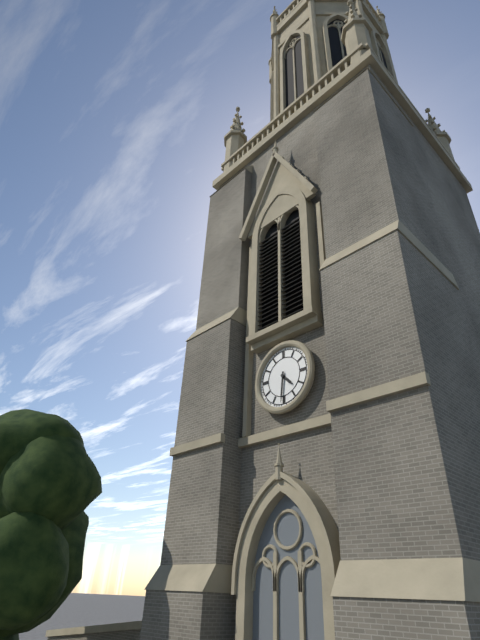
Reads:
{"hour": 4, "minute": 31}
